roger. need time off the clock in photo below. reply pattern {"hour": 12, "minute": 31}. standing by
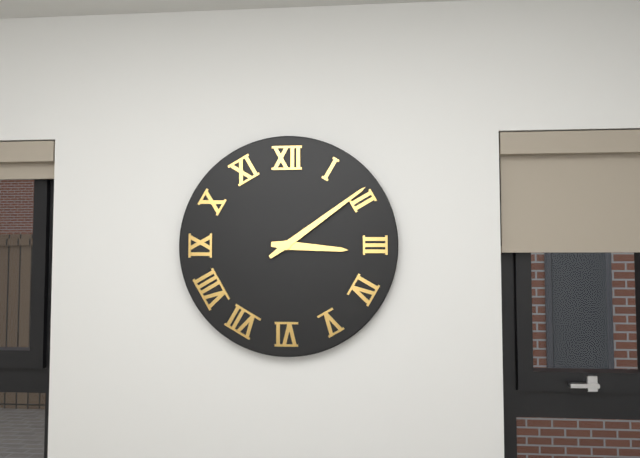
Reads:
{"hour": 3, "minute": 9}
